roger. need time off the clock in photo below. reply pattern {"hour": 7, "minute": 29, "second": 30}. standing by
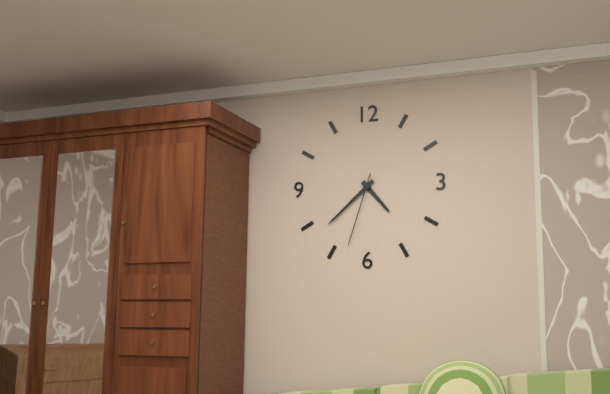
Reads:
{"hour": 4, "minute": 38, "second": 33}
